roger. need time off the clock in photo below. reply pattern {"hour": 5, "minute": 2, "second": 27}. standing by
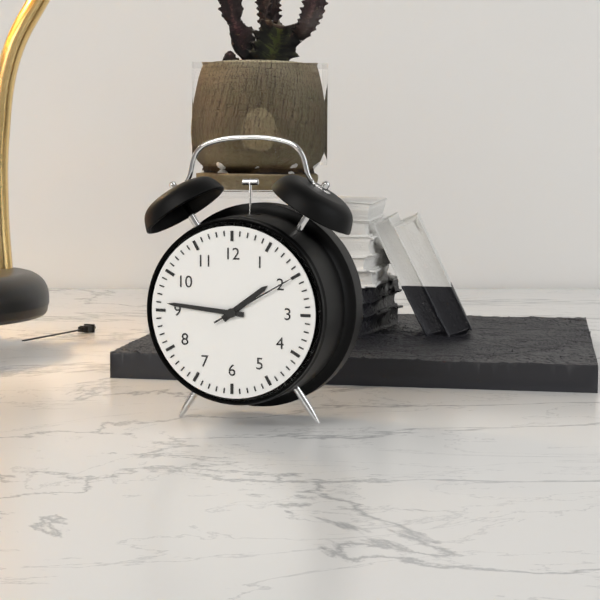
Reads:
{"hour": 1, "minute": 46, "second": 10}
